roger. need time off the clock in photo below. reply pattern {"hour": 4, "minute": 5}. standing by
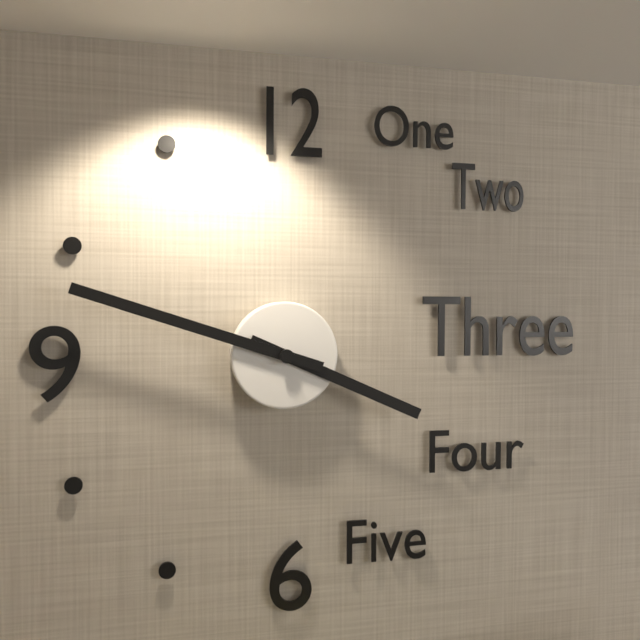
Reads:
{"hour": 3, "minute": 48}
